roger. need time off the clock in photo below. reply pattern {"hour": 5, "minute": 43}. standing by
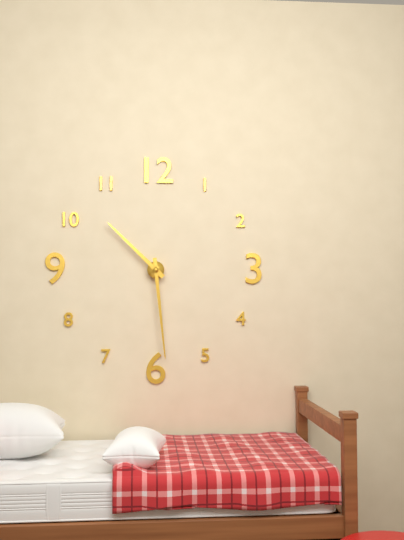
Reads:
{"hour": 10, "minute": 29}
